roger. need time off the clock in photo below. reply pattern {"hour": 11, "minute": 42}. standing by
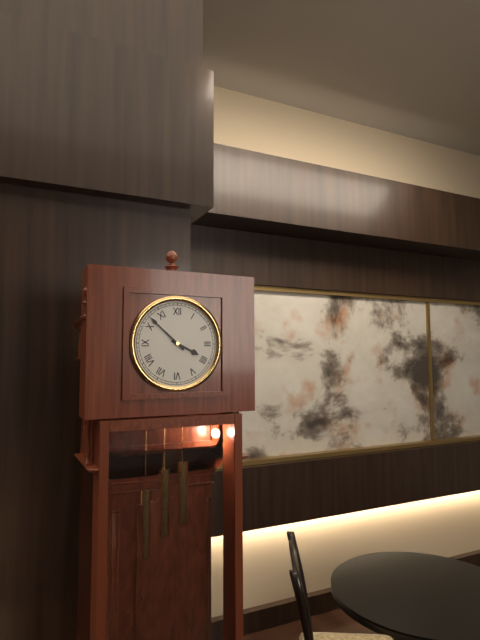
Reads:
{"hour": 3, "minute": 52}
